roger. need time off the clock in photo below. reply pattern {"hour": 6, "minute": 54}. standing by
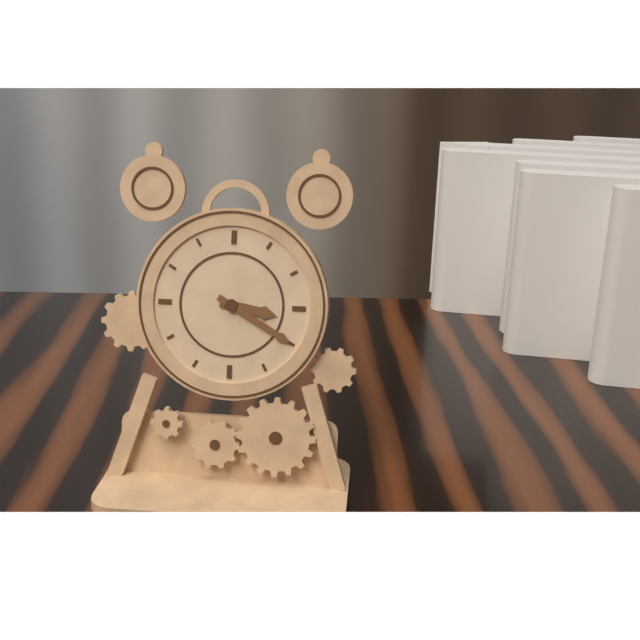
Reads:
{"hour": 3, "minute": 20}
